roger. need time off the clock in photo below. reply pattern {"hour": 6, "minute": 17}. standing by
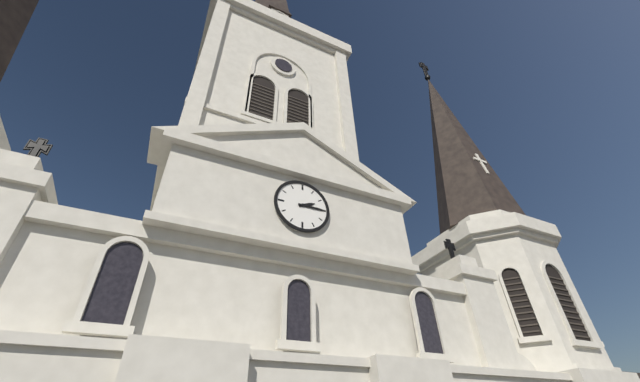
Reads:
{"hour": 2, "minute": 15}
